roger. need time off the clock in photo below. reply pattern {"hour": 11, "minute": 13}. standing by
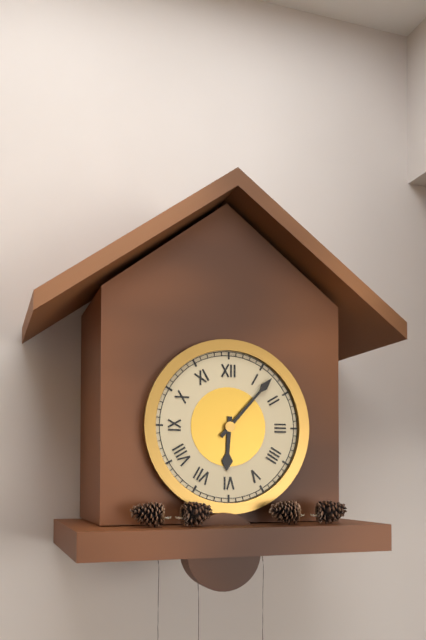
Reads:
{"hour": 6, "minute": 7}
